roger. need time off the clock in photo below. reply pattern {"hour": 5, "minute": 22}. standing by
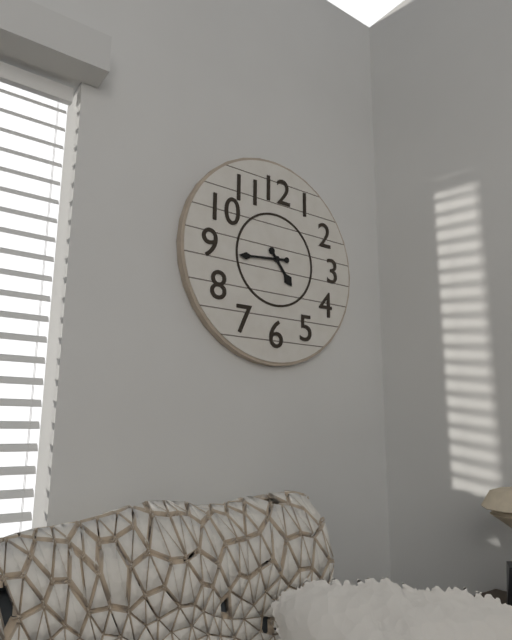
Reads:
{"hour": 4, "minute": 44}
